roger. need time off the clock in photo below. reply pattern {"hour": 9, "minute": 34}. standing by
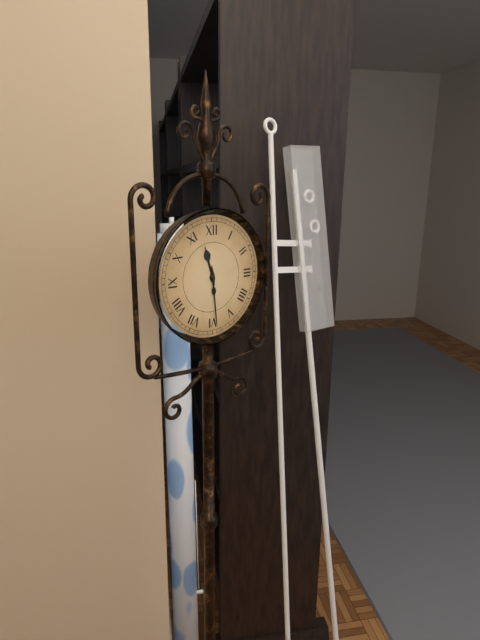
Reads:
{"hour": 11, "minute": 29}
